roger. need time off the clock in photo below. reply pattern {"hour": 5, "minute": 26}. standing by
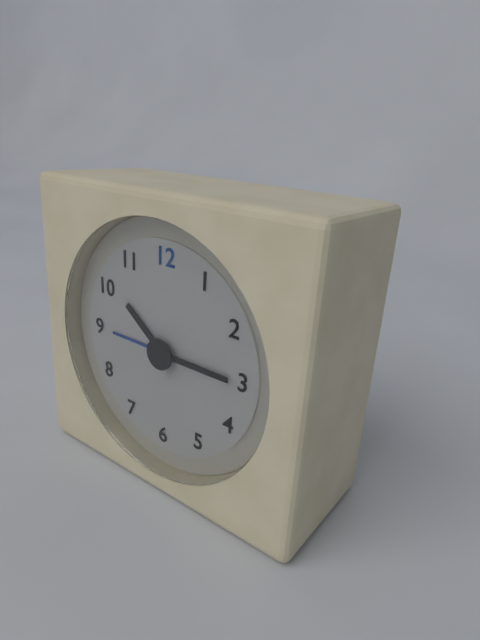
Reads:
{"hour": 10, "minute": 15}
